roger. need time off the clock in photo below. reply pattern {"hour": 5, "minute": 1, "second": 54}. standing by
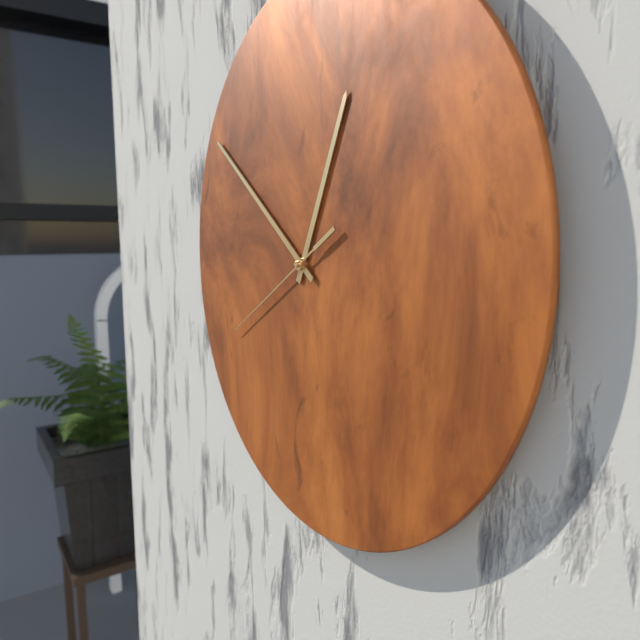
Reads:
{"hour": 12, "minute": 51, "second": 40}
